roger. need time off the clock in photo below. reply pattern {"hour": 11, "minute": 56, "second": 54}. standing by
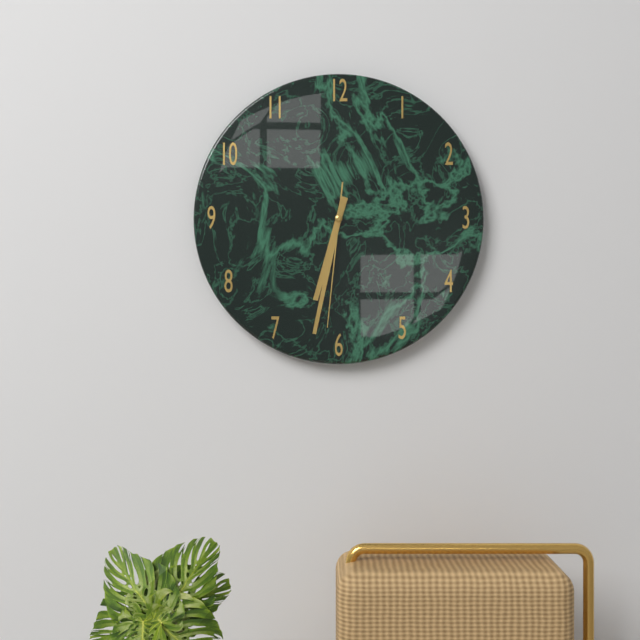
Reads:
{"hour": 6, "minute": 32, "second": 31}
